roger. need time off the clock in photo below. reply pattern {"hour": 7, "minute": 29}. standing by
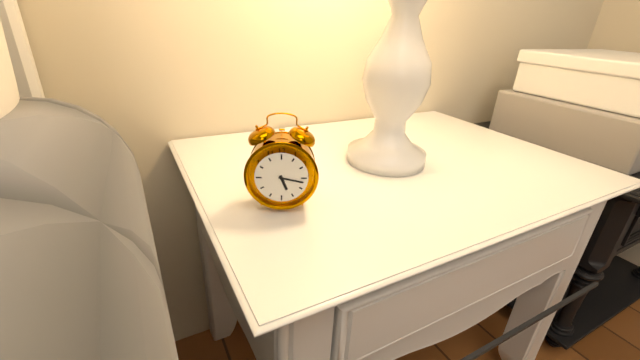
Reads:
{"hour": 5, "minute": 17}
